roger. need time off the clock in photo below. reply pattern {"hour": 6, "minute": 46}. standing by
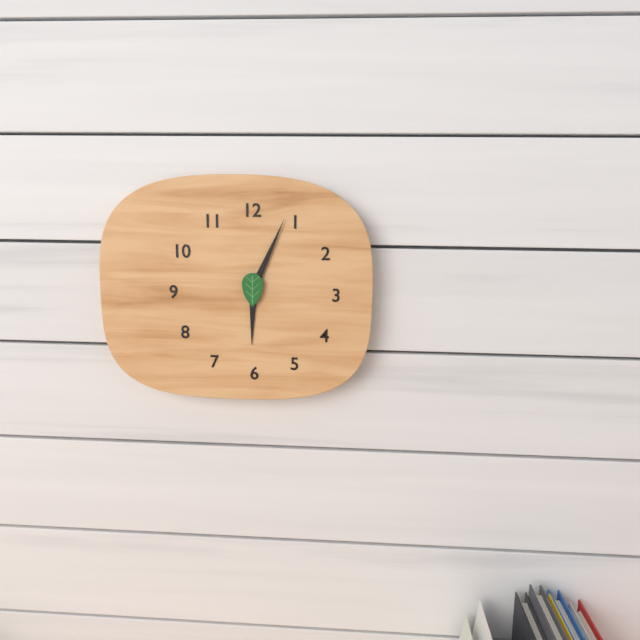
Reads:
{"hour": 6, "minute": 4}
